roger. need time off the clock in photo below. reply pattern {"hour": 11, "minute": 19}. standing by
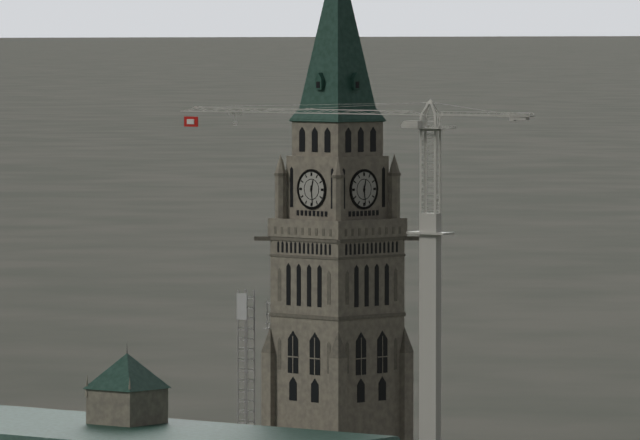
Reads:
{"hour": 12, "minute": 29}
